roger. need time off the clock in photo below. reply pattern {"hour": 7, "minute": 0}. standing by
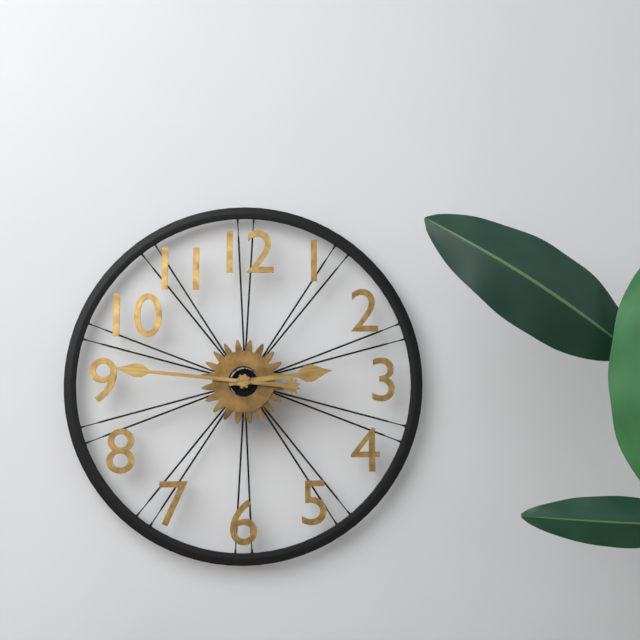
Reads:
{"hour": 2, "minute": 46}
